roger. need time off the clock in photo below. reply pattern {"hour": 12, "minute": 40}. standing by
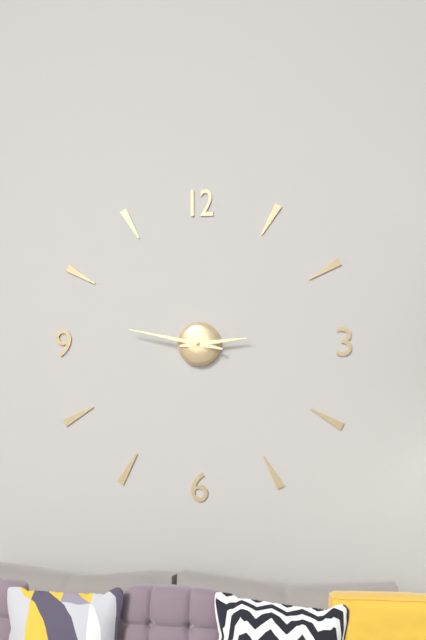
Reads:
{"hour": 2, "minute": 47}
